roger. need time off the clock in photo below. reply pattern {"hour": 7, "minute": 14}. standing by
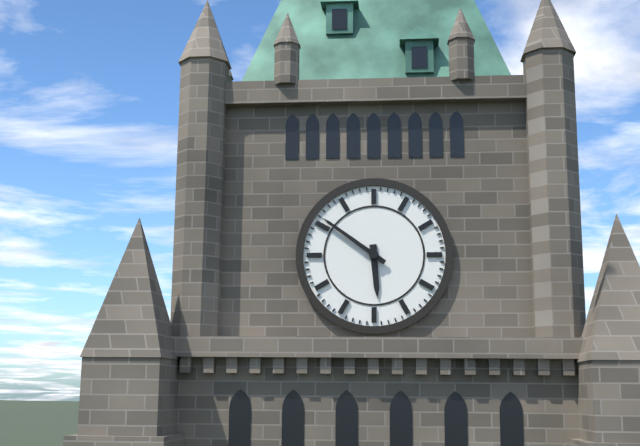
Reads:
{"hour": 5, "minute": 51}
